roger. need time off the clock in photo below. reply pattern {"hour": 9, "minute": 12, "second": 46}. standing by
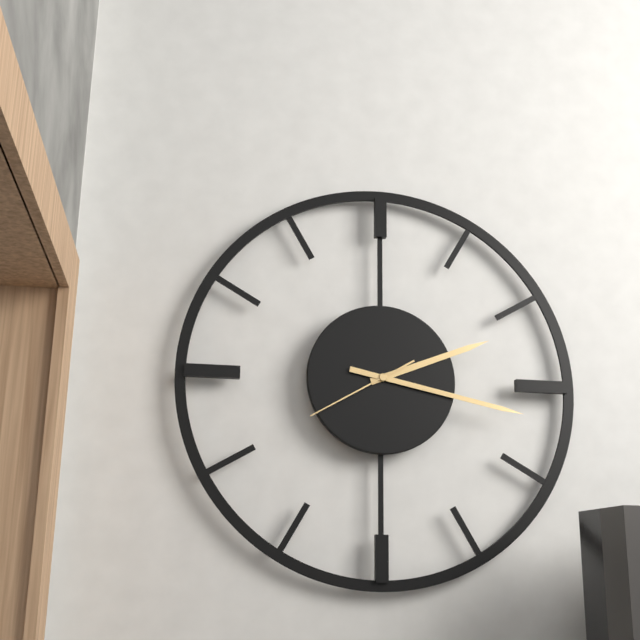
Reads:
{"hour": 2, "minute": 17, "second": 40}
